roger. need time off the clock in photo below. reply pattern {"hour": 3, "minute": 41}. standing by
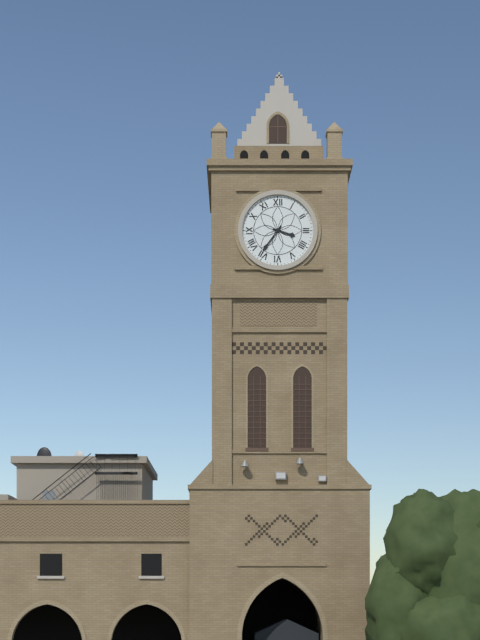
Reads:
{"hour": 3, "minute": 36}
